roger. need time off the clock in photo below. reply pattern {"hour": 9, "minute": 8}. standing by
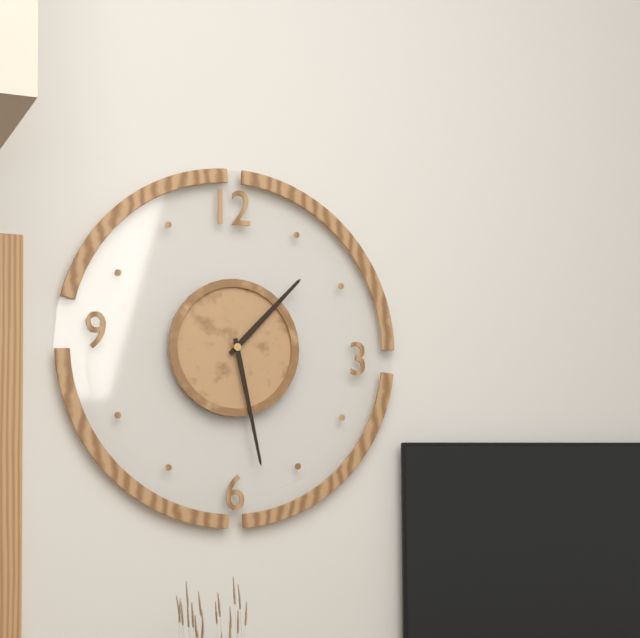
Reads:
{"hour": 1, "minute": 28}
